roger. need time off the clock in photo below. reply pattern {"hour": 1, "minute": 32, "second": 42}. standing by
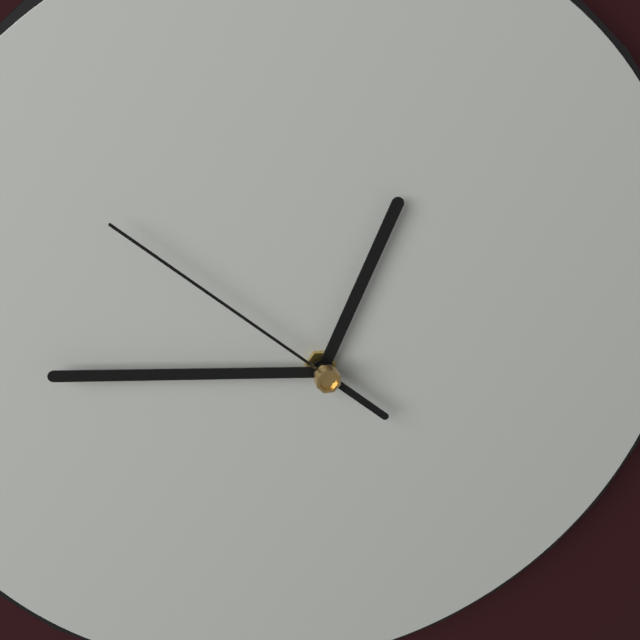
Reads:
{"hour": 12, "minute": 46, "second": 52}
